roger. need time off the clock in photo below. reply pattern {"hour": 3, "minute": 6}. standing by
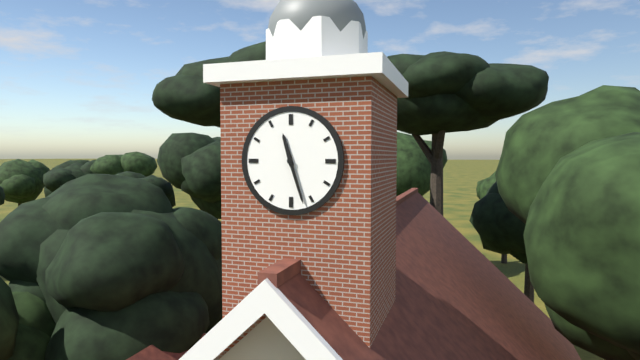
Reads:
{"hour": 11, "minute": 27}
